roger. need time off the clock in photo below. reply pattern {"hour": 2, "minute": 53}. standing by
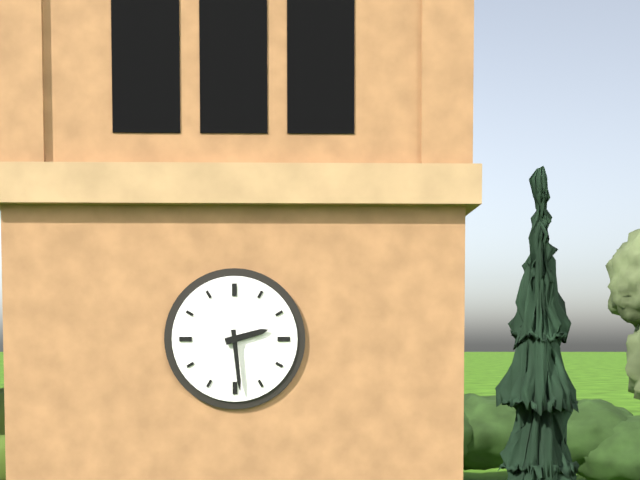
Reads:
{"hour": 2, "minute": 29}
